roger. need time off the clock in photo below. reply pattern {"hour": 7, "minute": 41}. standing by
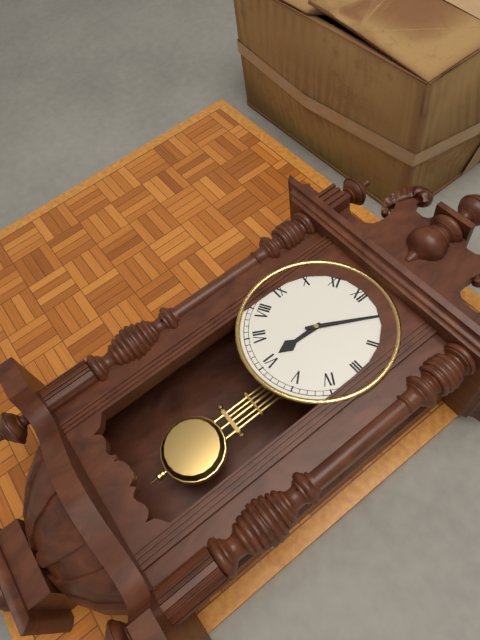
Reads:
{"hour": 6, "minute": 5}
